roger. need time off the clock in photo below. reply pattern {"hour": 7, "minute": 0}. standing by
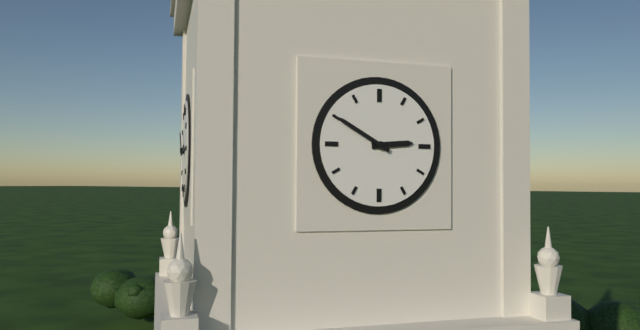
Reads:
{"hour": 2, "minute": 50}
